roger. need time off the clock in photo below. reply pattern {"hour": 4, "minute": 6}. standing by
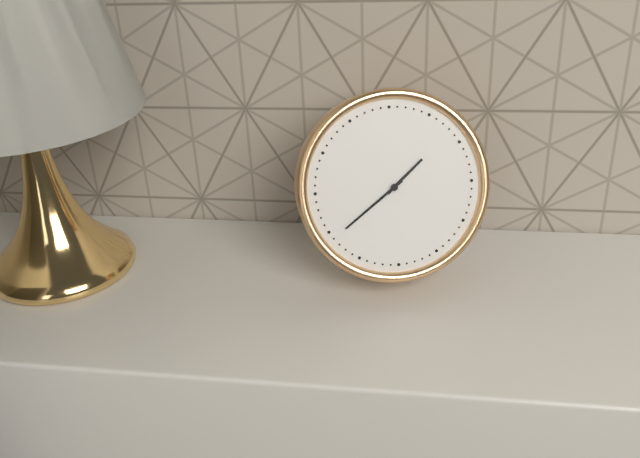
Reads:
{"hour": 1, "minute": 39}
